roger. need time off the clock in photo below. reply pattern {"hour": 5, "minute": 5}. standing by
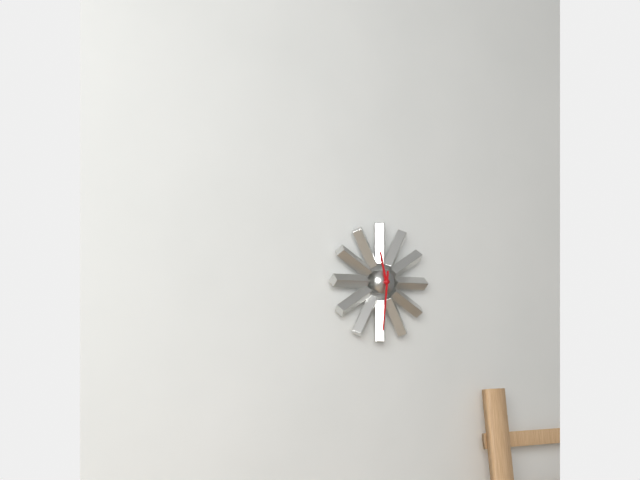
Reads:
{"hour": 11, "minute": 31}
